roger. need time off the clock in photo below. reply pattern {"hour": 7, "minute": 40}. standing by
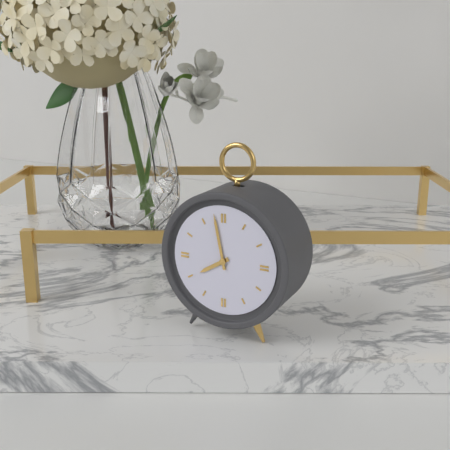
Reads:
{"hour": 7, "minute": 58}
